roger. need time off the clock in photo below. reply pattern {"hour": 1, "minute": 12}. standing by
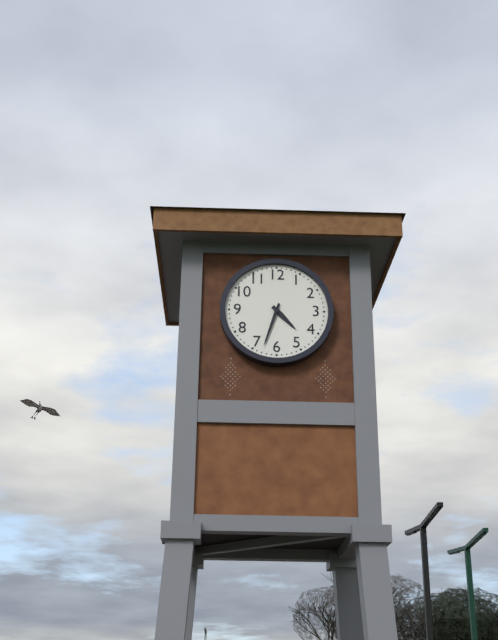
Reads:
{"hour": 4, "minute": 33}
